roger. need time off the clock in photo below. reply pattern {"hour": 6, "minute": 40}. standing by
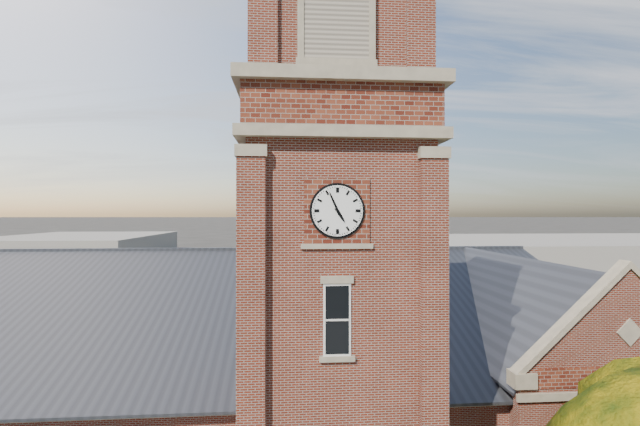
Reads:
{"hour": 4, "minute": 56}
